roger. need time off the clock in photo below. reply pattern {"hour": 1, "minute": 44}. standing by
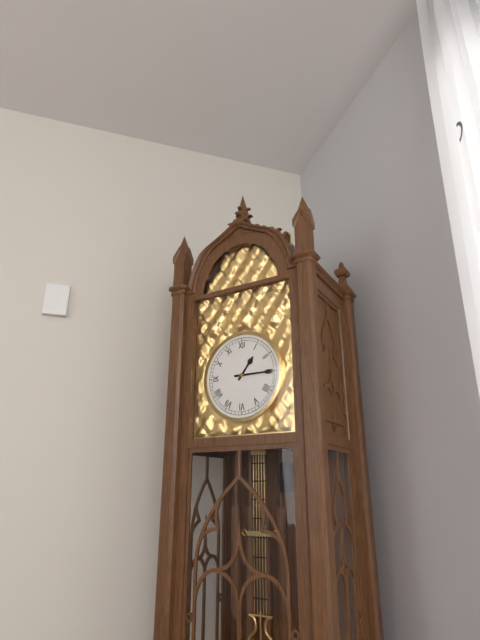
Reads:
{"hour": 1, "minute": 15}
